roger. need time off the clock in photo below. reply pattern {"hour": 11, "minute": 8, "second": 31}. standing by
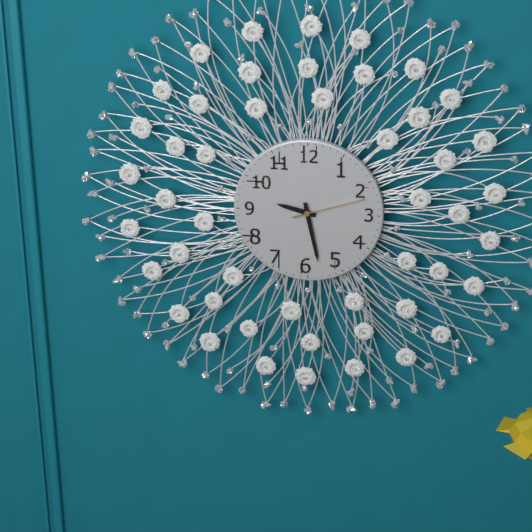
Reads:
{"hour": 9, "minute": 28, "second": 12}
